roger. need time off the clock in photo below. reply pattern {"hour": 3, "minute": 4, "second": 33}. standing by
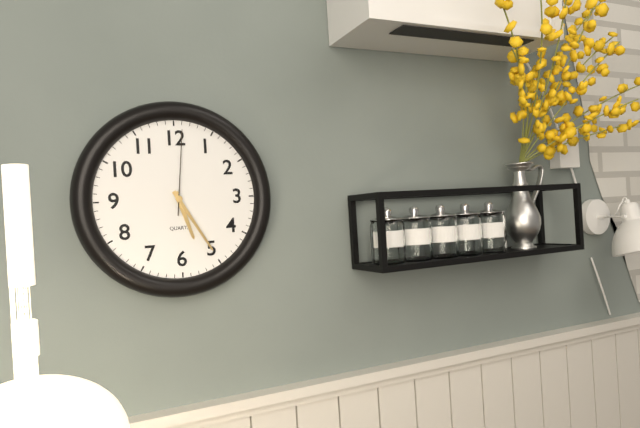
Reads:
{"hour": 5, "minute": 25, "second": 1}
